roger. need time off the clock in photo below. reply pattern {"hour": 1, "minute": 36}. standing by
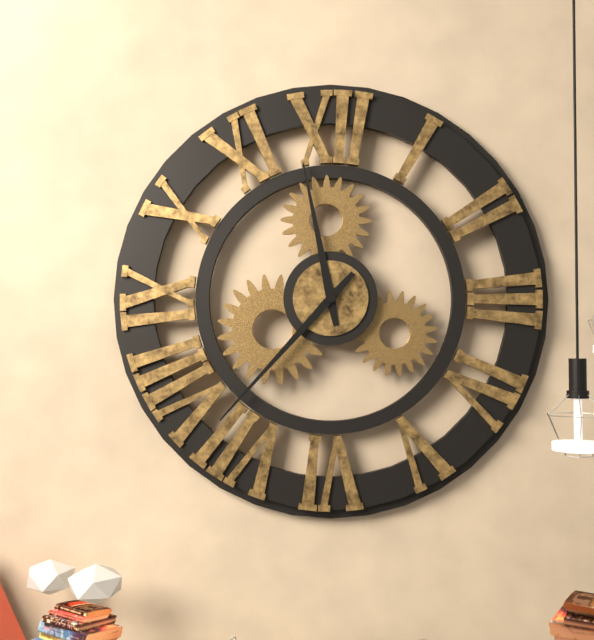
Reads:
{"hour": 11, "minute": 37}
